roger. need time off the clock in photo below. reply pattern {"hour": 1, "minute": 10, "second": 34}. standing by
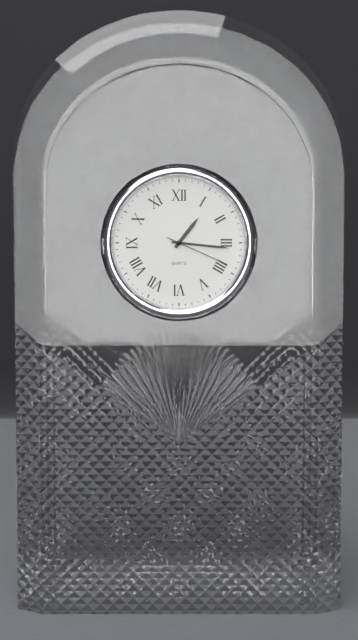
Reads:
{"hour": 1, "minute": 16, "second": 19}
